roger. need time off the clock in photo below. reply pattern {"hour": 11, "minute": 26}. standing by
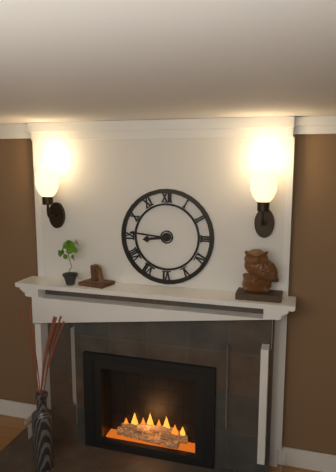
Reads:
{"hour": 8, "minute": 46}
